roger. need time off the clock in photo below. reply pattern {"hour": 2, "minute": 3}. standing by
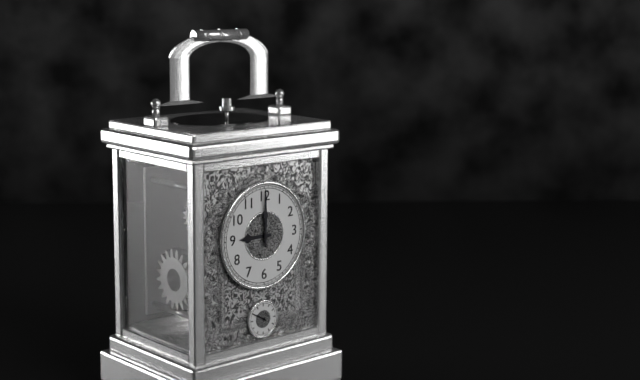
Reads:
{"hour": 9, "minute": 0}
